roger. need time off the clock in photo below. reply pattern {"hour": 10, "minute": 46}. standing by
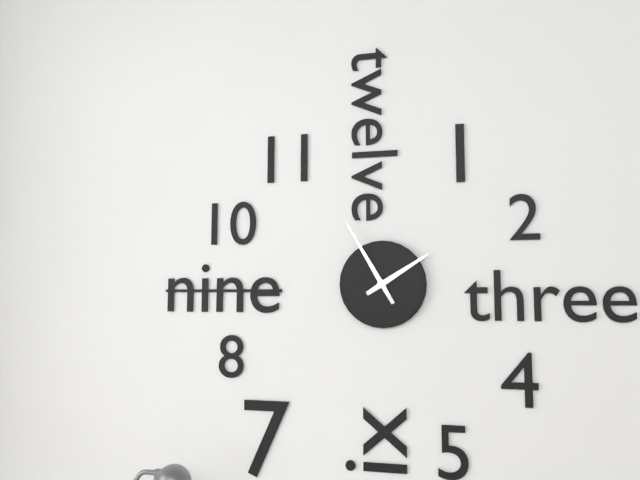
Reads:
{"hour": 1, "minute": 55}
